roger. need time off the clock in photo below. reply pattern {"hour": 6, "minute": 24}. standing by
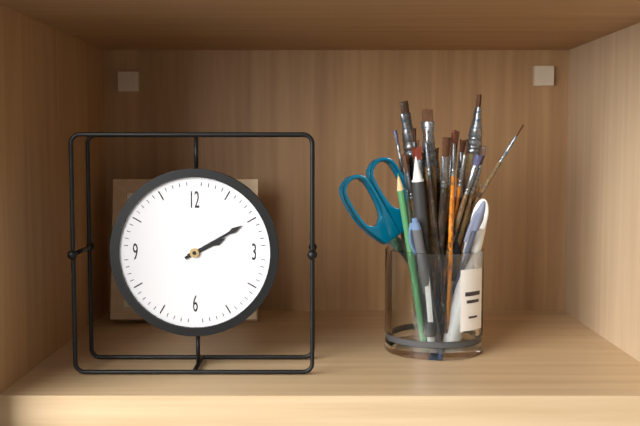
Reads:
{"hour": 2, "minute": 10}
